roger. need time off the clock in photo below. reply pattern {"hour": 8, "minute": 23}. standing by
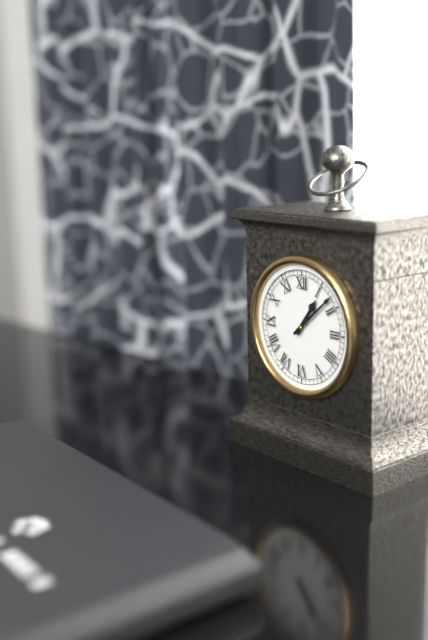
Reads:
{"hour": 1, "minute": 8}
